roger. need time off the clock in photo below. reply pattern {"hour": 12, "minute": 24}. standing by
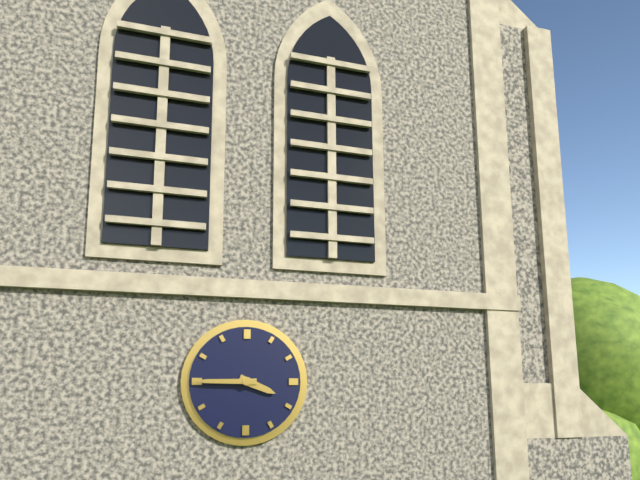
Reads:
{"hour": 3, "minute": 45}
